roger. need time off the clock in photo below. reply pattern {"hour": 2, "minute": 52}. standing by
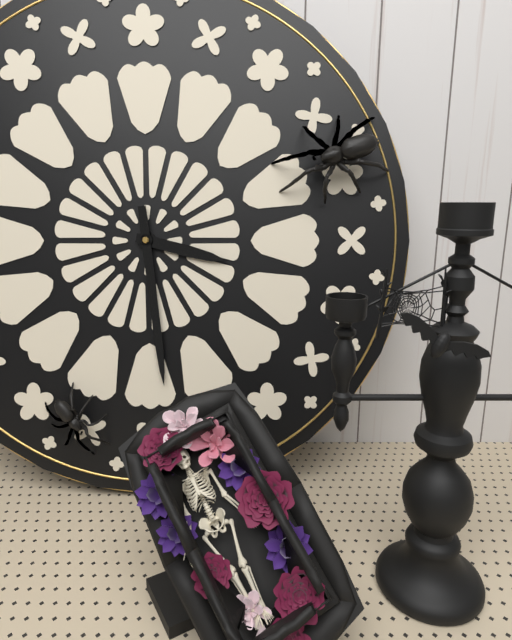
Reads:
{"hour": 3, "minute": 29}
